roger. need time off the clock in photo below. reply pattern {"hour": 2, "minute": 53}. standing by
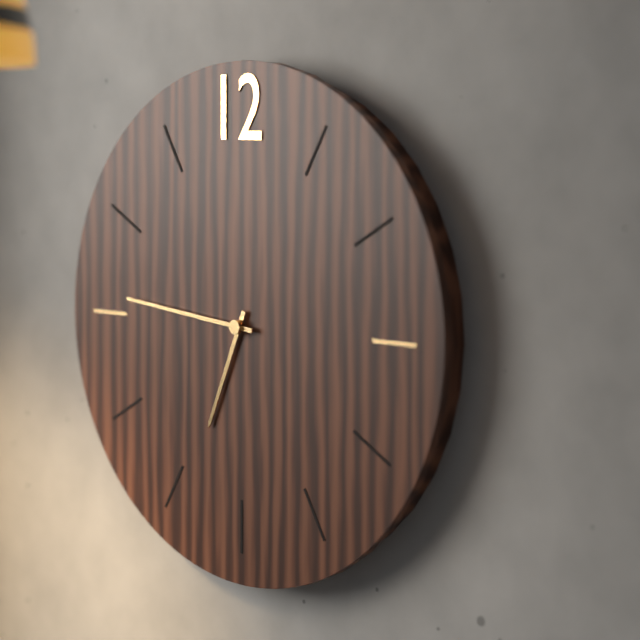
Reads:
{"hour": 6, "minute": 46}
